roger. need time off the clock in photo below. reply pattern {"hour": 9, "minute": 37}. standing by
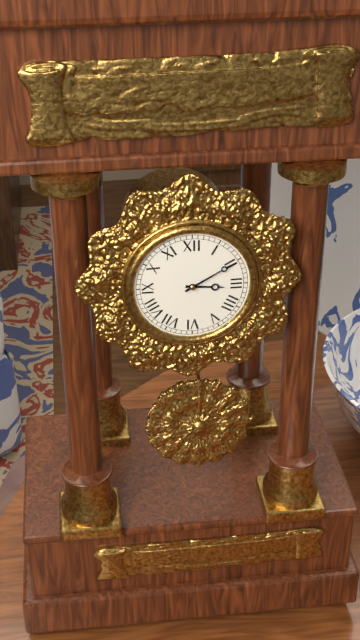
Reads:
{"hour": 3, "minute": 10}
